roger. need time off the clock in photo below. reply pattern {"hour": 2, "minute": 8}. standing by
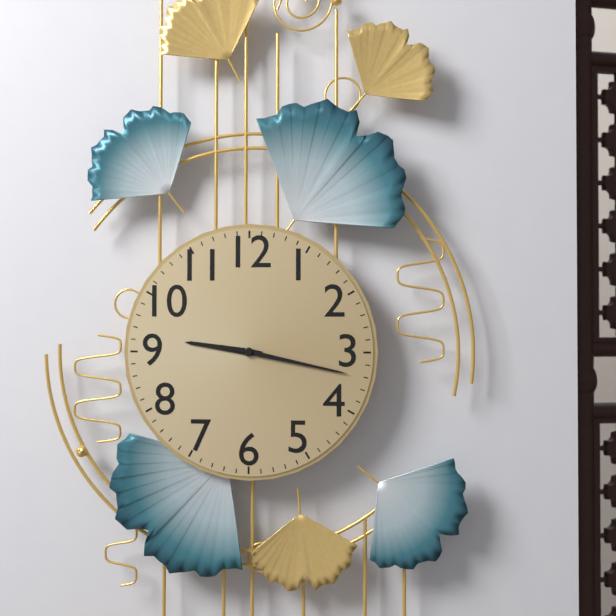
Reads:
{"hour": 9, "minute": 17}
